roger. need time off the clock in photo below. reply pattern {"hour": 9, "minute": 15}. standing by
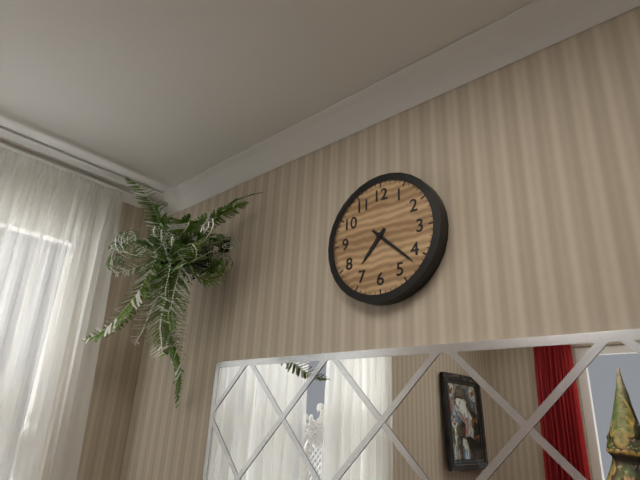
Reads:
{"hour": 7, "minute": 22}
